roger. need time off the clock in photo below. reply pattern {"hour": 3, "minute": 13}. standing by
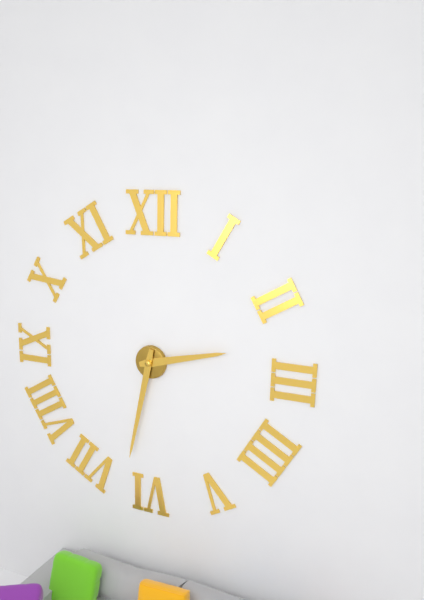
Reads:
{"hour": 2, "minute": 32}
